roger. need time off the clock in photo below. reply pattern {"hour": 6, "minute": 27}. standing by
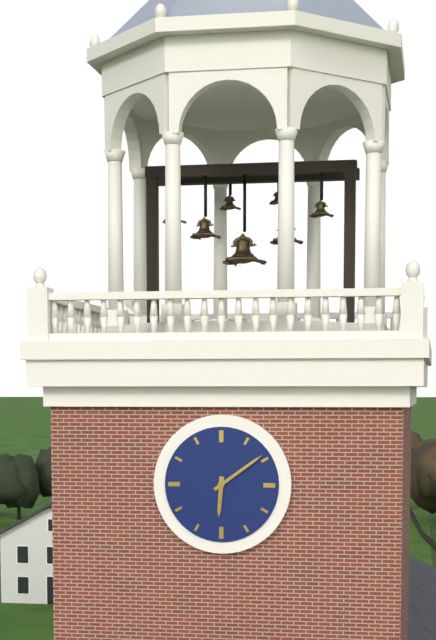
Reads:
{"hour": 6, "minute": 9}
